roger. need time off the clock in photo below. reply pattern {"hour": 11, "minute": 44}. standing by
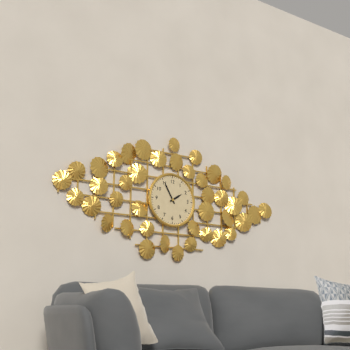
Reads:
{"hour": 1, "minute": 55}
